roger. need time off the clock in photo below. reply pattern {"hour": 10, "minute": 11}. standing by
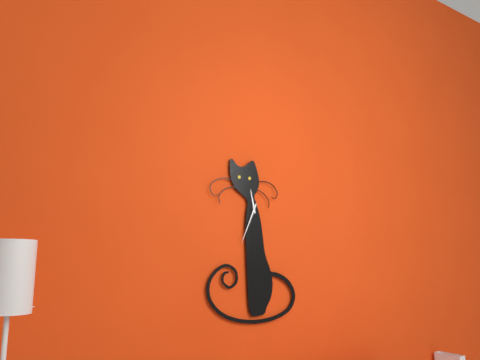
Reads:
{"hour": 11, "minute": 34}
